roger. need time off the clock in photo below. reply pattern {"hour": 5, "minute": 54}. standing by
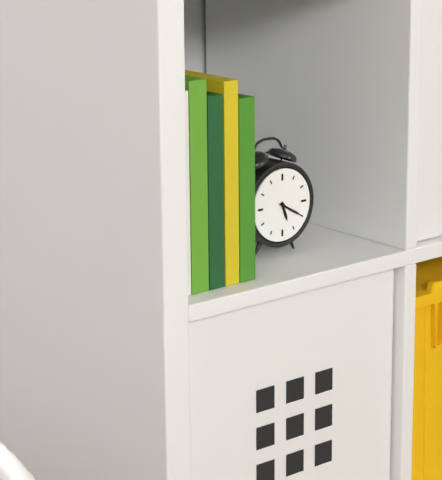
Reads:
{"hour": 5, "minute": 20}
